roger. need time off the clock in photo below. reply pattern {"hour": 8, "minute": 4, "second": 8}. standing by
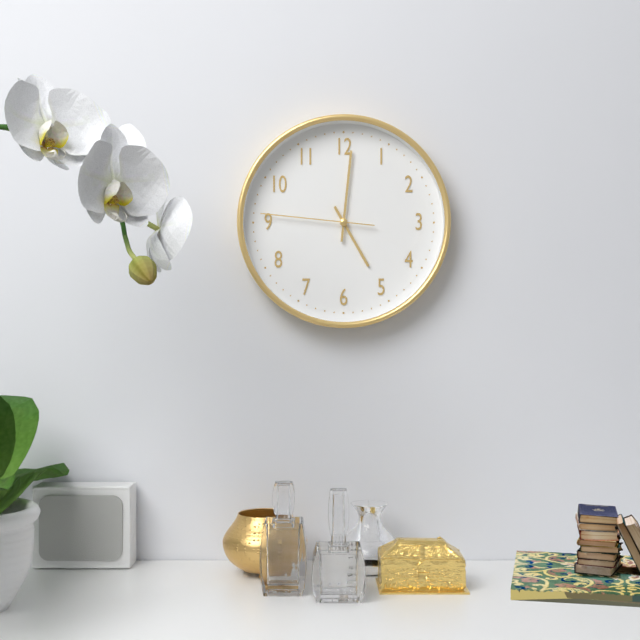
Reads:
{"hour": 5, "minute": 1, "second": 46}
